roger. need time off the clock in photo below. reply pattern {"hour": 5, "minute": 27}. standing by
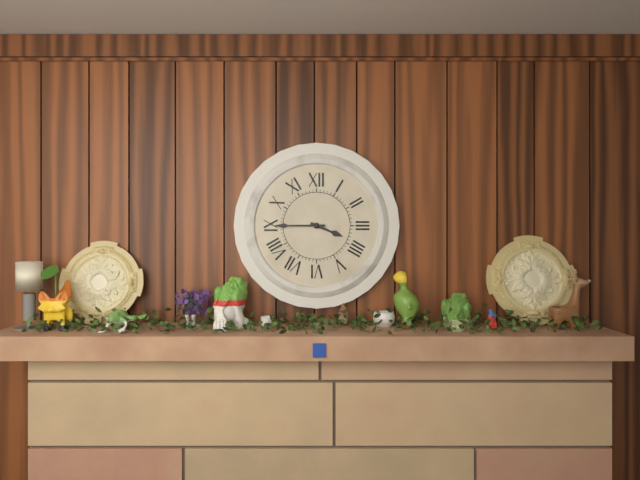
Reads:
{"hour": 3, "minute": 45}
